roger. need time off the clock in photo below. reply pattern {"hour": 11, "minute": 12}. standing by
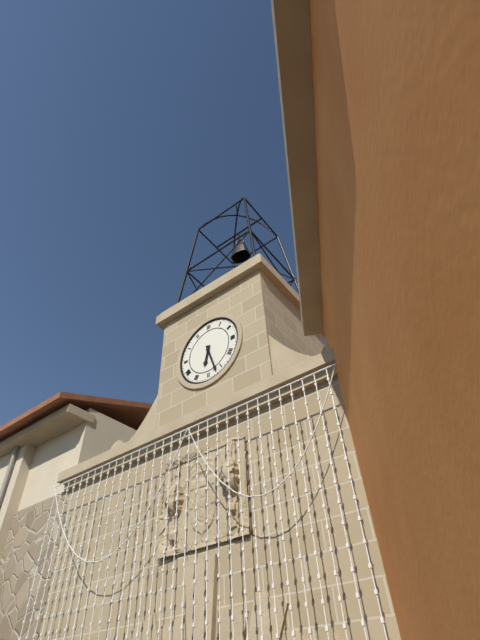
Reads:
{"hour": 6, "minute": 27}
